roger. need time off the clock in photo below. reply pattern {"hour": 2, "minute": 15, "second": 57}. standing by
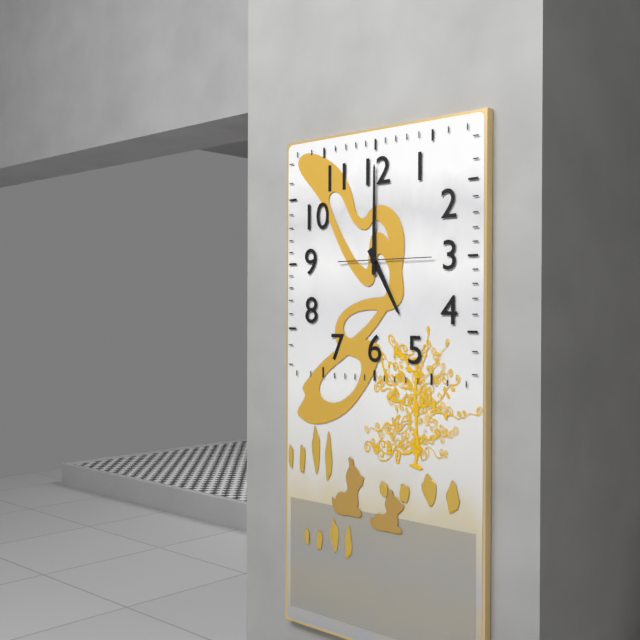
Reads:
{"hour": 5, "minute": 0, "second": 15}
